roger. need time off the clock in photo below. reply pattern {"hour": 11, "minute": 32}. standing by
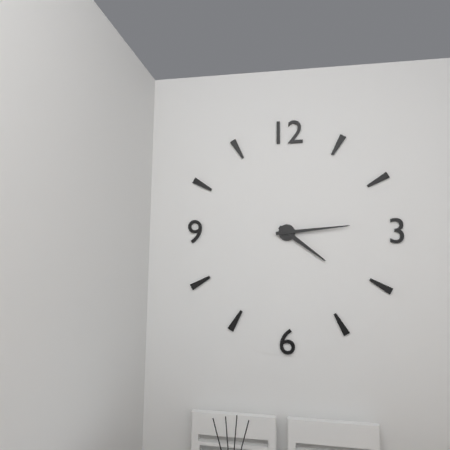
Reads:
{"hour": 4, "minute": 14}
